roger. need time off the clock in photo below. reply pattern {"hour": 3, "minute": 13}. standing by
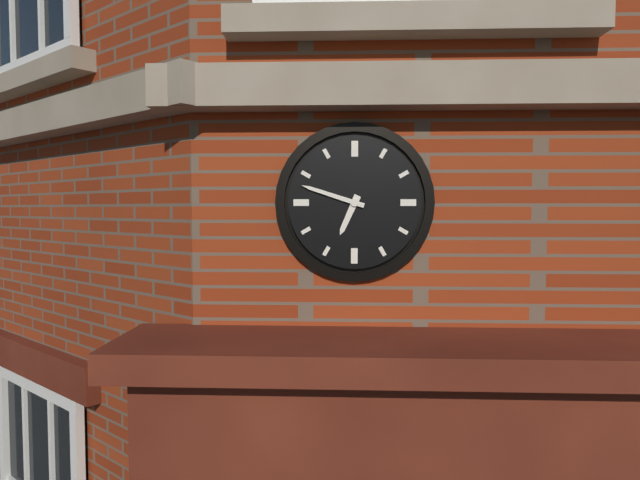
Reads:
{"hour": 6, "minute": 48}
